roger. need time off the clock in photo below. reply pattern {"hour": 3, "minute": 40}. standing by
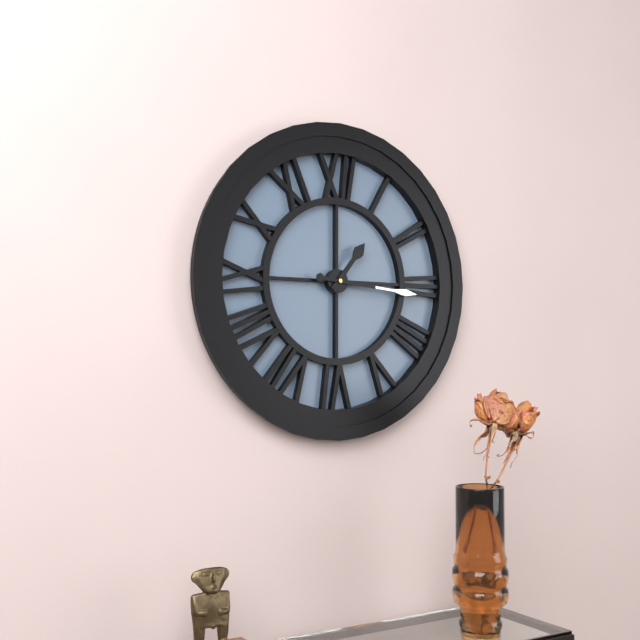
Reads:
{"hour": 1, "minute": 16}
